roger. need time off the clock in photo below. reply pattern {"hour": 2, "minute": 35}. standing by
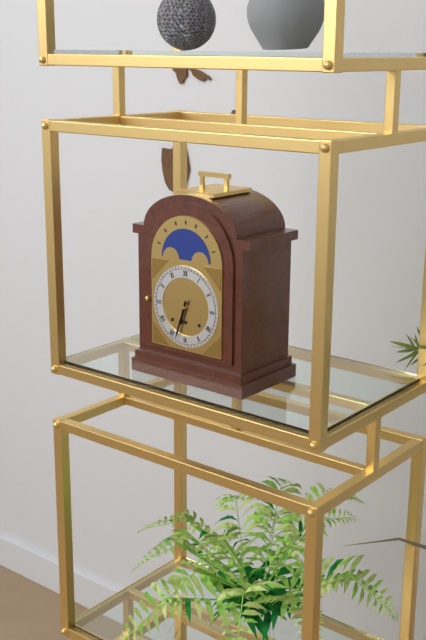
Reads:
{"hour": 6, "minute": 33}
